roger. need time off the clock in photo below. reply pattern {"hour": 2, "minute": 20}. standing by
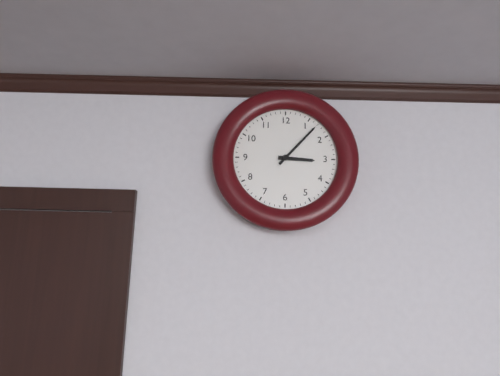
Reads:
{"hour": 3, "minute": 7}
